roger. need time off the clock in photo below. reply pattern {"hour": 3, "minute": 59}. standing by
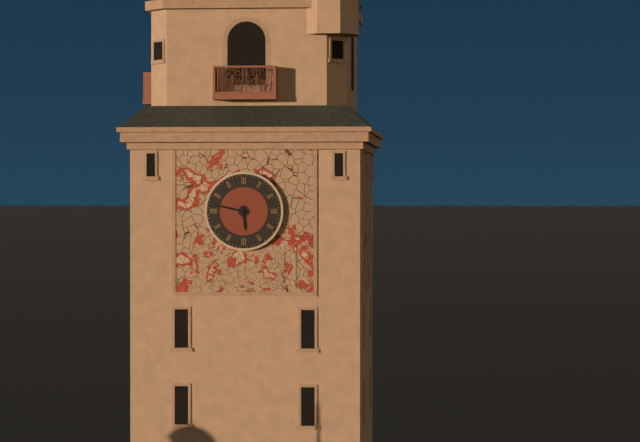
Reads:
{"hour": 5, "minute": 47}
